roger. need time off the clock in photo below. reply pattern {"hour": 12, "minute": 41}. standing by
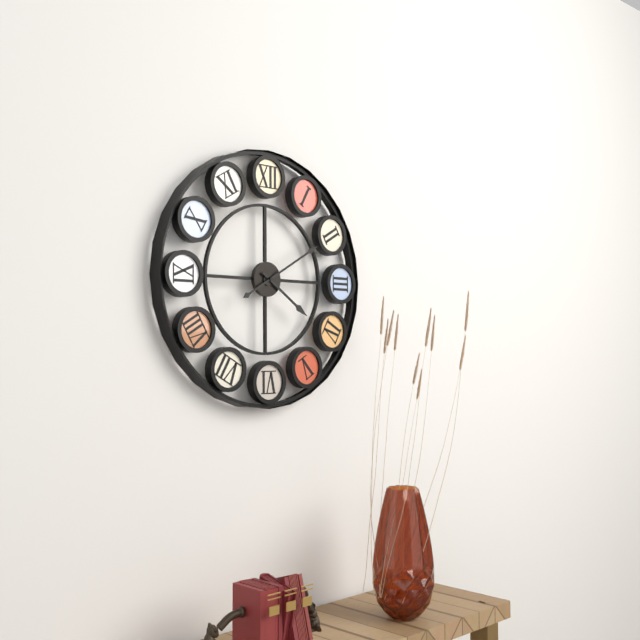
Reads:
{"hour": 4, "minute": 10}
